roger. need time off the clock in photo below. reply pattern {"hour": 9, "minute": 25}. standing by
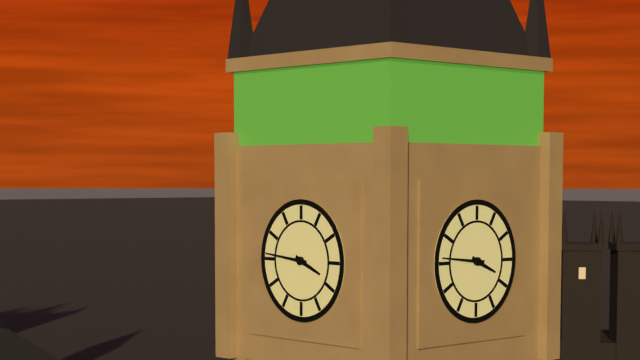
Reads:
{"hour": 3, "minute": 46}
